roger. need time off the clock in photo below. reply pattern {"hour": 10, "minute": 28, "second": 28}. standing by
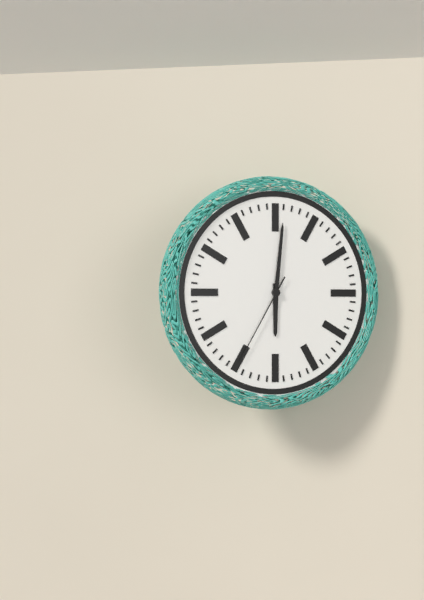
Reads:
{"hour": 6, "minute": 1, "second": 35}
